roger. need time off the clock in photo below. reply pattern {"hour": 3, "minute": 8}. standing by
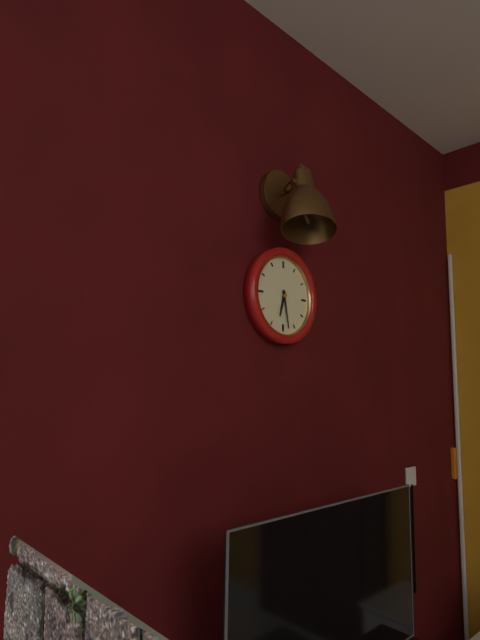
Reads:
{"hour": 6, "minute": 28}
